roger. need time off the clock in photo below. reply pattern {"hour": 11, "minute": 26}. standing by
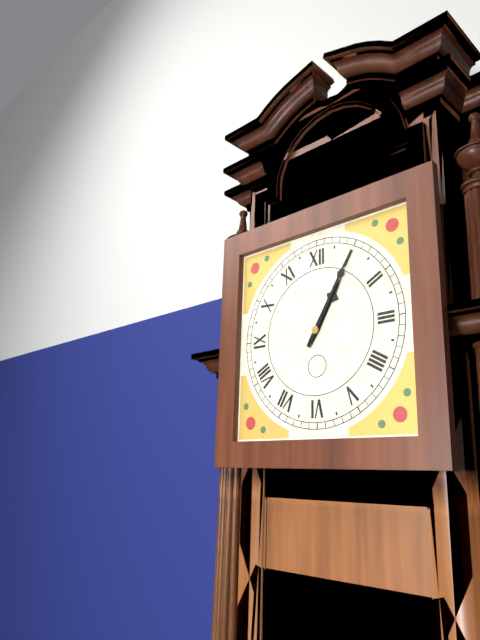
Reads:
{"hour": 1, "minute": 5}
